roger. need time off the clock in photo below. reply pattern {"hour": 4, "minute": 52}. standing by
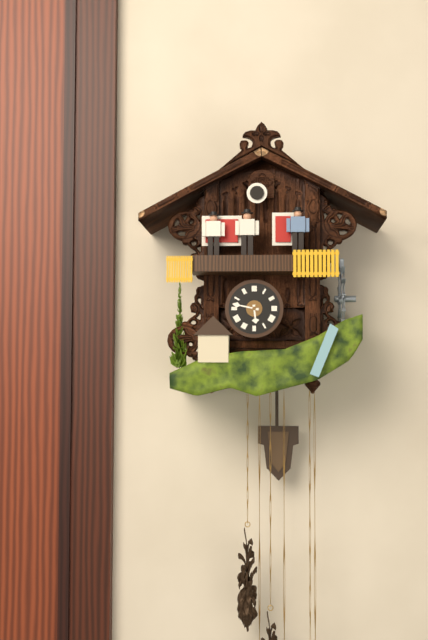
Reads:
{"hour": 5, "minute": 47}
